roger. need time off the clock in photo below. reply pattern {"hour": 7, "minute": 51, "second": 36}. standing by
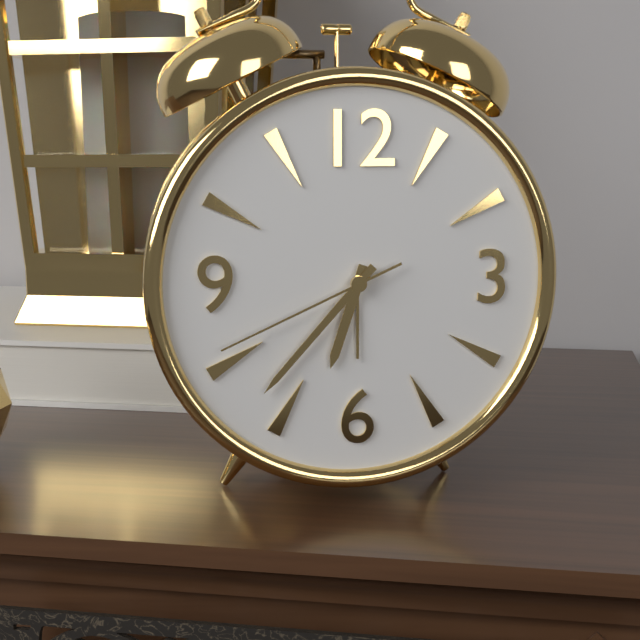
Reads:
{"hour": 6, "minute": 37, "second": 41}
